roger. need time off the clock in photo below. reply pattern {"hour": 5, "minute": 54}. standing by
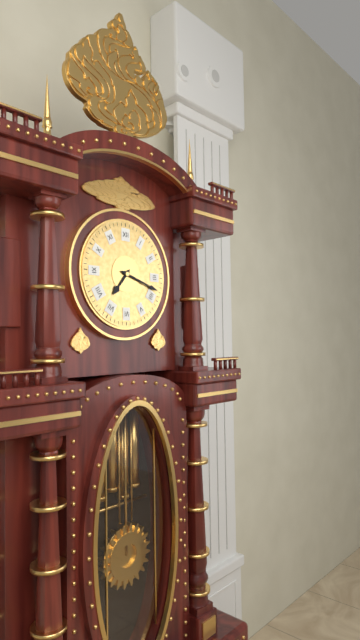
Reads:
{"hour": 7, "minute": 18}
